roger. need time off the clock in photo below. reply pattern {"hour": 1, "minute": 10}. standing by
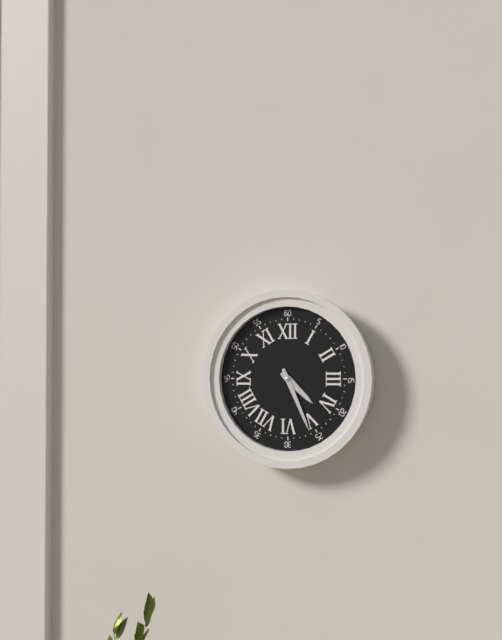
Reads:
{"hour": 4, "minute": 26}
